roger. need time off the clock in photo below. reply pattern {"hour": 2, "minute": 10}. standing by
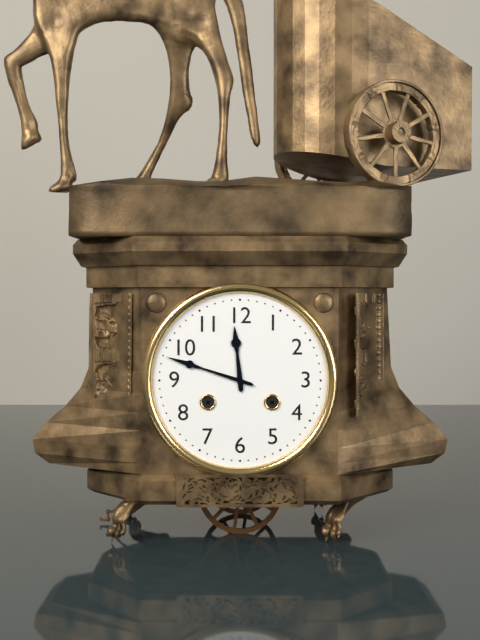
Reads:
{"hour": 11, "minute": 48}
